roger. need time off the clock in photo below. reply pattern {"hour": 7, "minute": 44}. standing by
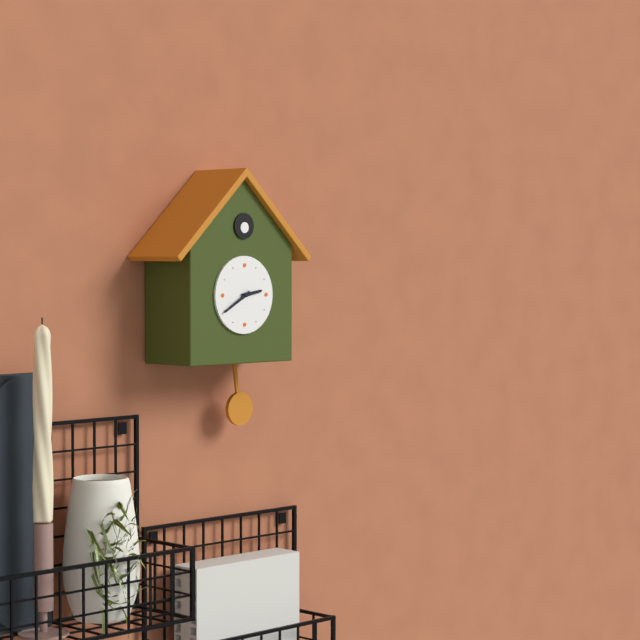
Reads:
{"hour": 2, "minute": 40}
